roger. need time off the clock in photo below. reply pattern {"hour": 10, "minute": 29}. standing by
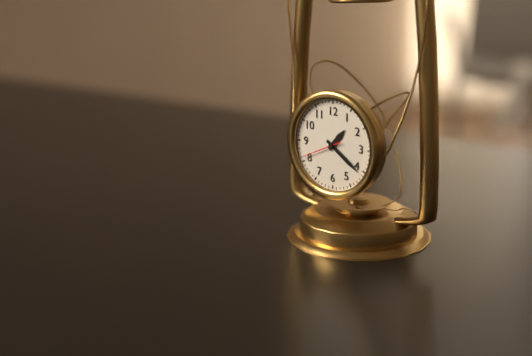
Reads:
{"hour": 1, "minute": 21}
